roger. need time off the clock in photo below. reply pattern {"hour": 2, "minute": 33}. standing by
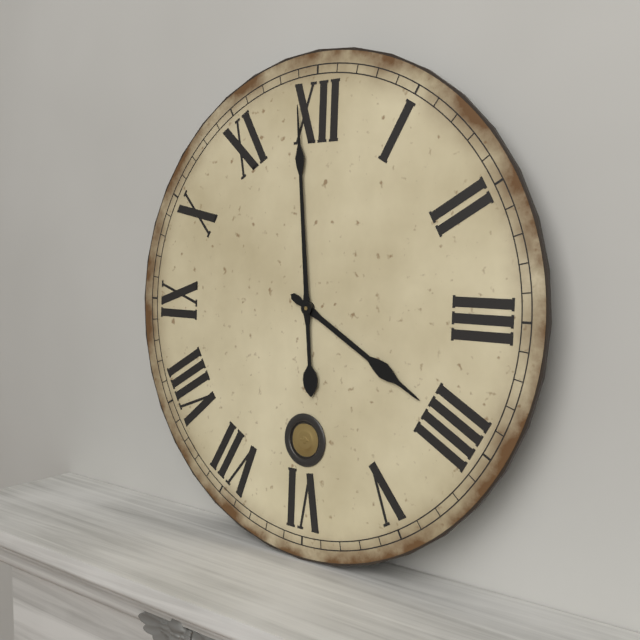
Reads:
{"hour": 3, "minute": 59}
